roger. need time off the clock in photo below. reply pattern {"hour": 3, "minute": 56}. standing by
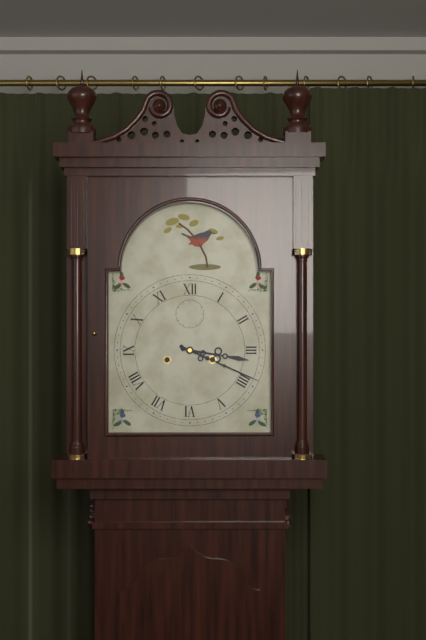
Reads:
{"hour": 3, "minute": 19}
